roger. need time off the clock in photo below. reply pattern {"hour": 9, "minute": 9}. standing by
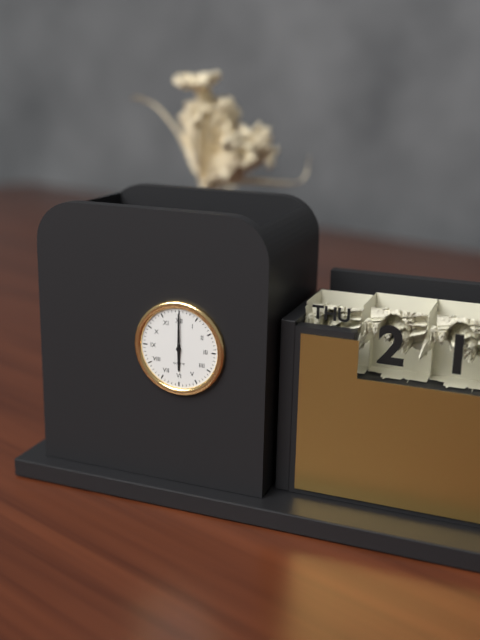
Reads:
{"hour": 6, "minute": 0}
